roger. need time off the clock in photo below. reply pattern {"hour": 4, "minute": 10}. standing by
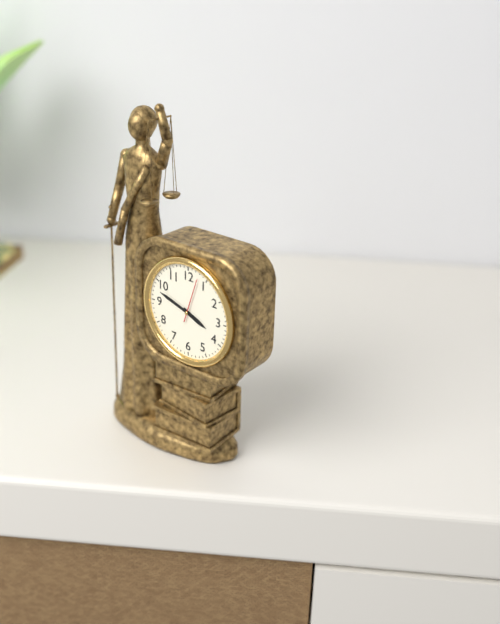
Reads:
{"hour": 3, "minute": 48}
